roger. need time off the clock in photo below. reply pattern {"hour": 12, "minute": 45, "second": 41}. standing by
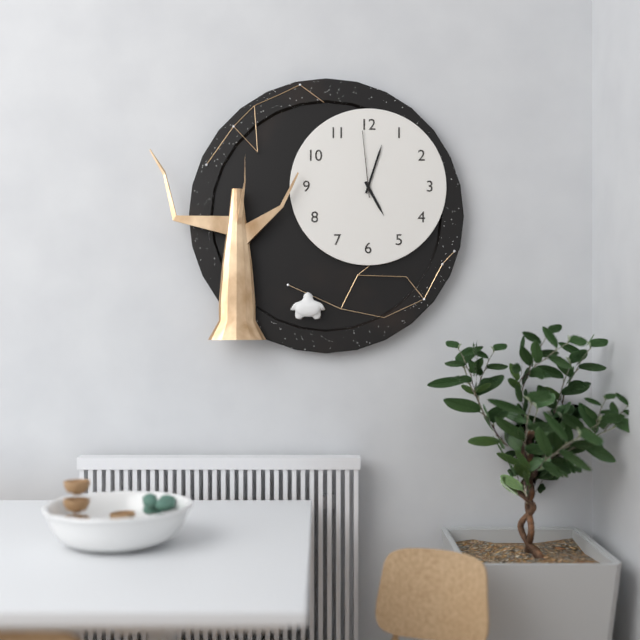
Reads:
{"hour": 5, "minute": 3, "second": 59}
